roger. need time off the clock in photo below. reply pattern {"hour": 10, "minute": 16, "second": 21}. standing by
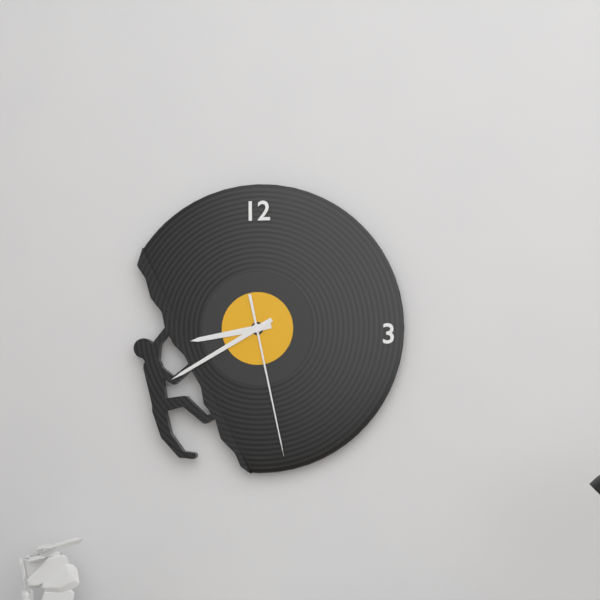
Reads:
{"hour": 8, "minute": 40, "second": 28}
